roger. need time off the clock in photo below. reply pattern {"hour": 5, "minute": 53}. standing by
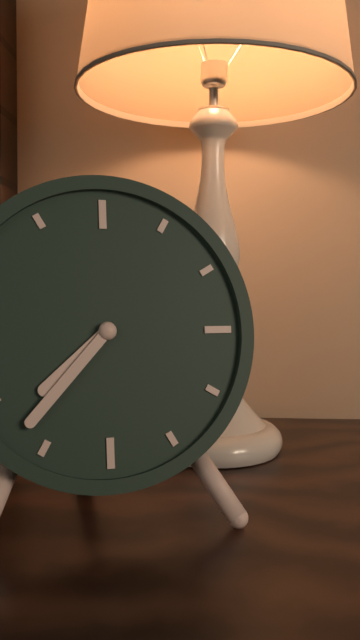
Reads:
{"hour": 7, "minute": 37}
